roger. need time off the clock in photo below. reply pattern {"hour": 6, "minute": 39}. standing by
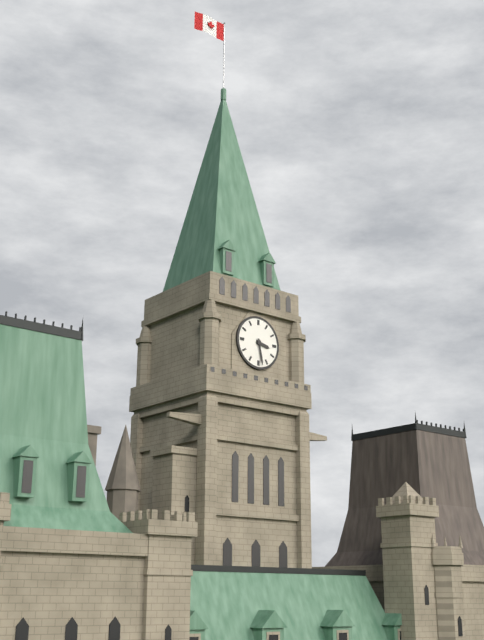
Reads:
{"hour": 3, "minute": 28}
